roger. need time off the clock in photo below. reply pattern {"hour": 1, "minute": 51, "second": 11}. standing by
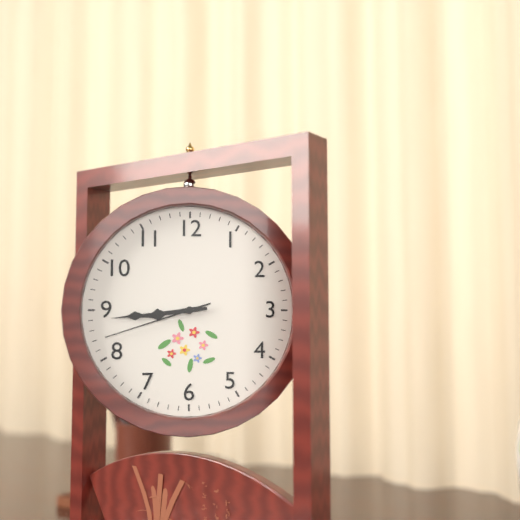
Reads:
{"hour": 8, "minute": 44, "second": 42}
